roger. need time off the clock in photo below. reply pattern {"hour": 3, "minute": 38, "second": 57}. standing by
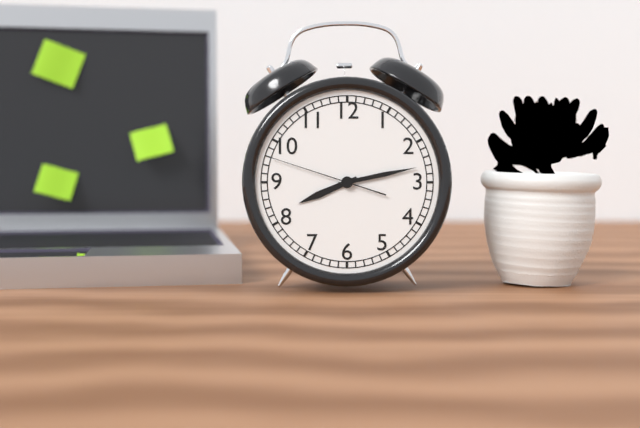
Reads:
{"hour": 8, "minute": 13, "second": 48}
